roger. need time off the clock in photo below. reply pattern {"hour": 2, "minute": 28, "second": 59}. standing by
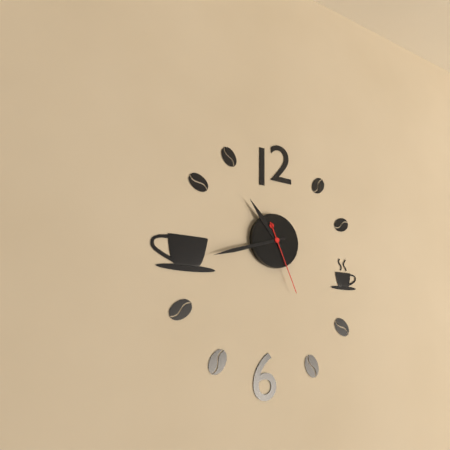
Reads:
{"hour": 10, "minute": 42, "second": 26}
